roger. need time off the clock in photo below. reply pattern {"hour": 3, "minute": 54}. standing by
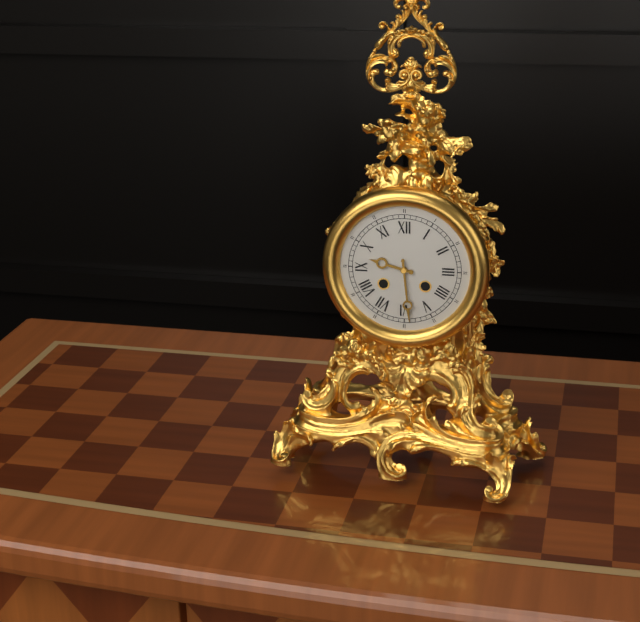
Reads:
{"hour": 9, "minute": 29}
